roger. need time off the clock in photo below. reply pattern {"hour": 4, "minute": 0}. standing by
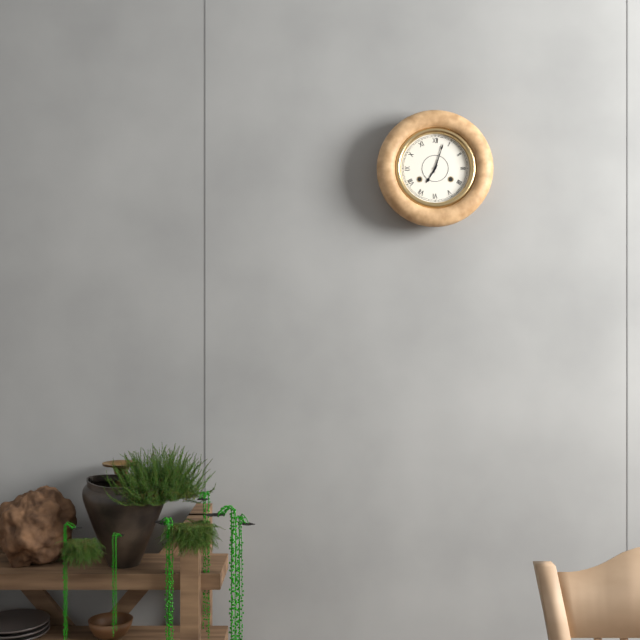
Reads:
{"hour": 7, "minute": 3}
